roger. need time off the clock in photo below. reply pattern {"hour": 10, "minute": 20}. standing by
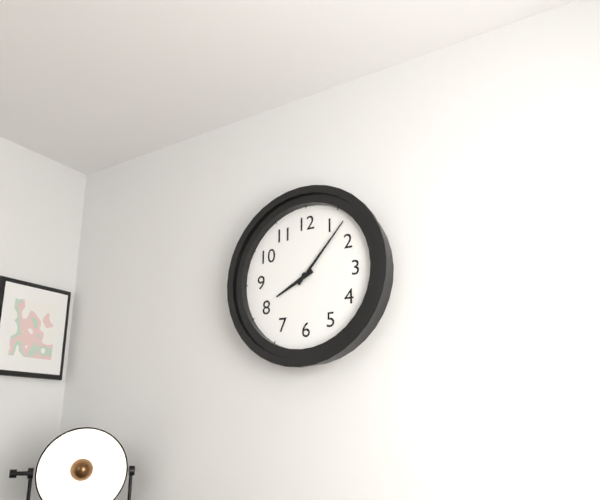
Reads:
{"hour": 8, "minute": 7}
